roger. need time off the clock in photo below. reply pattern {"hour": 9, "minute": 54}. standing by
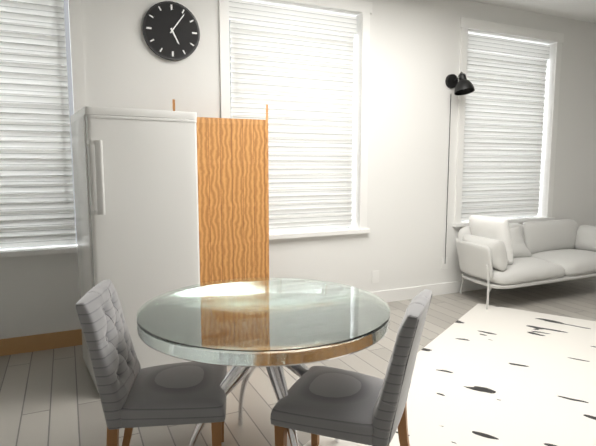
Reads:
{"hour": 5, "minute": 6}
